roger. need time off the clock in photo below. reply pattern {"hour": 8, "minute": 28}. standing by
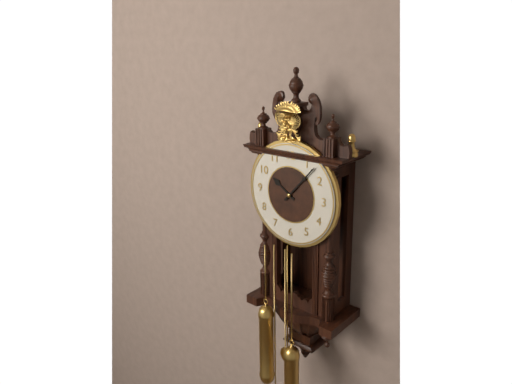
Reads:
{"hour": 10, "minute": 7}
